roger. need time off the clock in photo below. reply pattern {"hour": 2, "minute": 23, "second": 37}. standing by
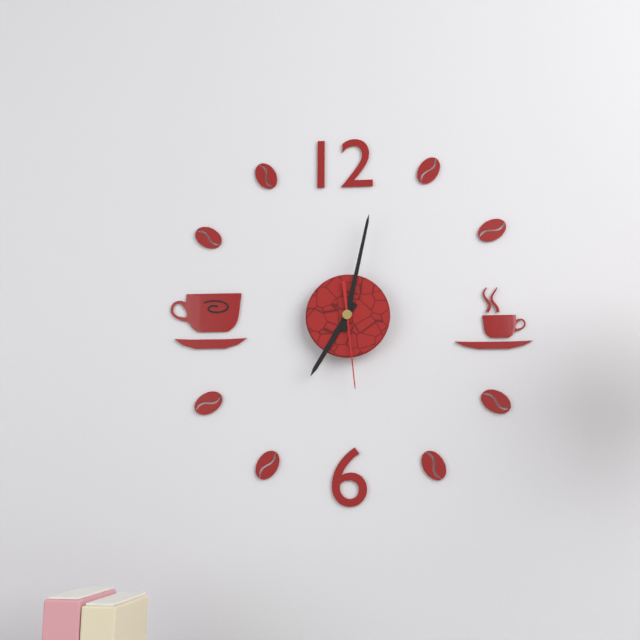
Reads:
{"hour": 7, "minute": 2, "second": 29}
